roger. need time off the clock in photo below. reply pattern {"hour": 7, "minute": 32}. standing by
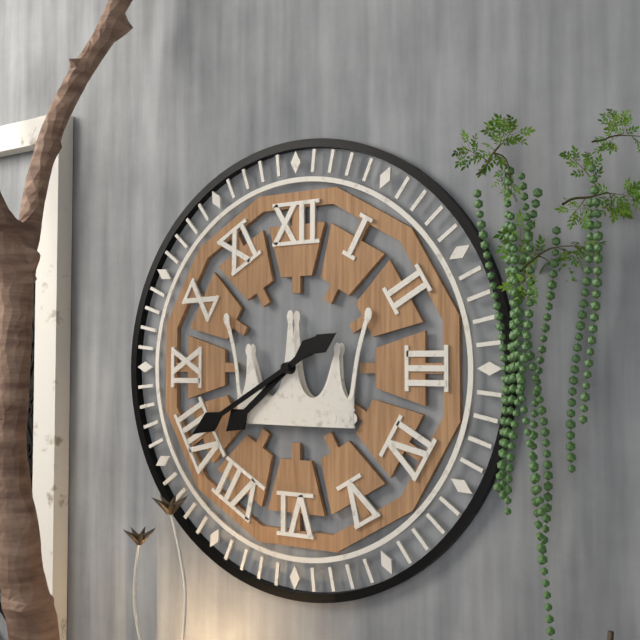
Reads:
{"hour": 7, "minute": 40}
